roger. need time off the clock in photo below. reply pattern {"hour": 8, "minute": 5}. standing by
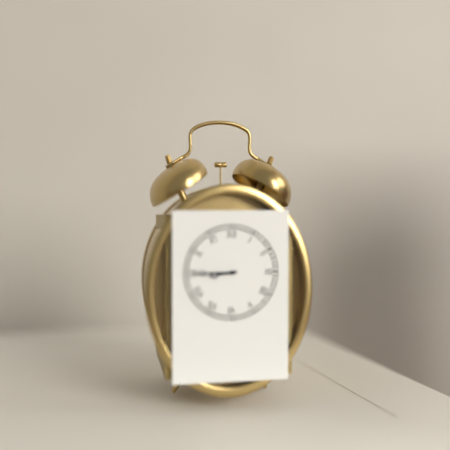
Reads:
{"hour": 8, "minute": 45}
